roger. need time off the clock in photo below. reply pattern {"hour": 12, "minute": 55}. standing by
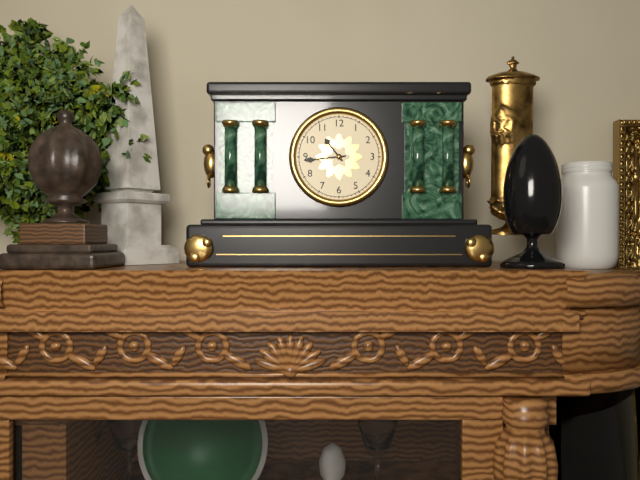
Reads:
{"hour": 10, "minute": 44}
